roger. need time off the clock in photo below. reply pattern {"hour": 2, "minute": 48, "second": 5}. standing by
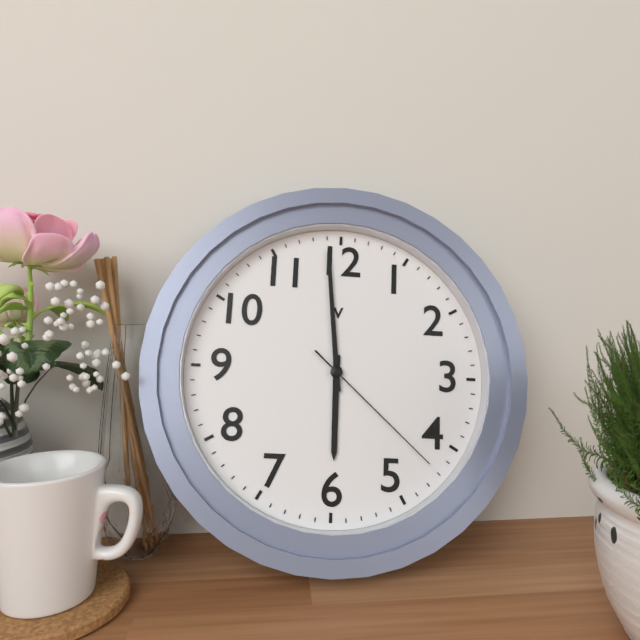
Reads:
{"hour": 5, "minute": 59, "second": 22}
